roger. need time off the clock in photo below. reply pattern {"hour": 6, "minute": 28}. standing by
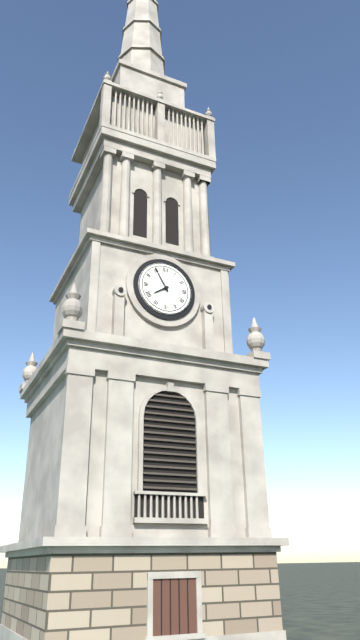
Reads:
{"hour": 7, "minute": 55}
